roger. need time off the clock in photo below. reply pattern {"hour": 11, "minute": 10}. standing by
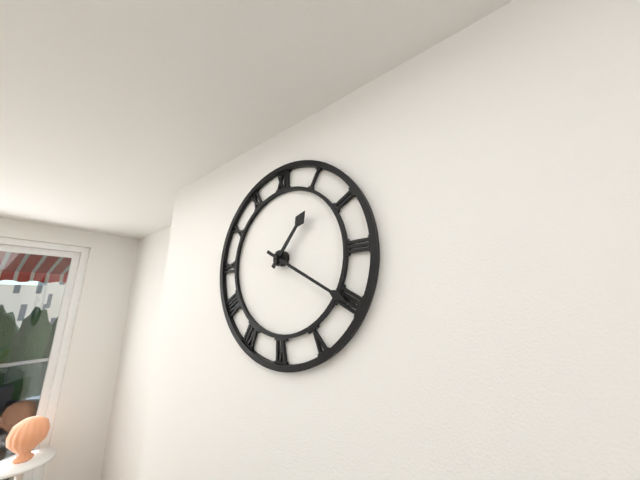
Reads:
{"hour": 1, "minute": 20}
